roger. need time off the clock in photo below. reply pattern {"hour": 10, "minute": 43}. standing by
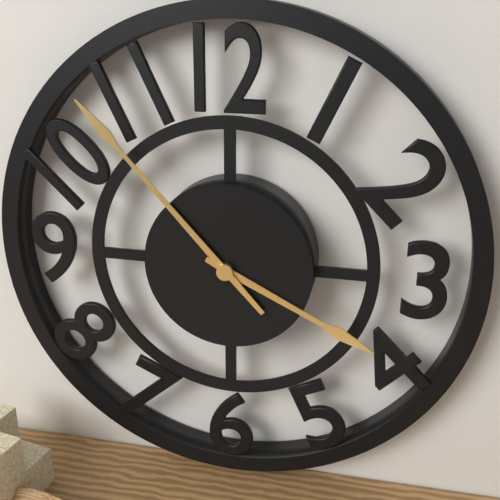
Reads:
{"hour": 3, "minute": 53}
